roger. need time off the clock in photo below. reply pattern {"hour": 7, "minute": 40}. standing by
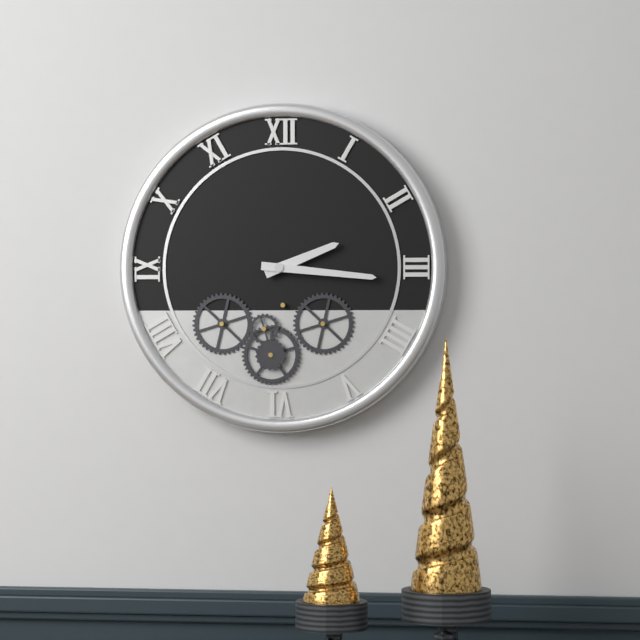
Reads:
{"hour": 2, "minute": 16}
